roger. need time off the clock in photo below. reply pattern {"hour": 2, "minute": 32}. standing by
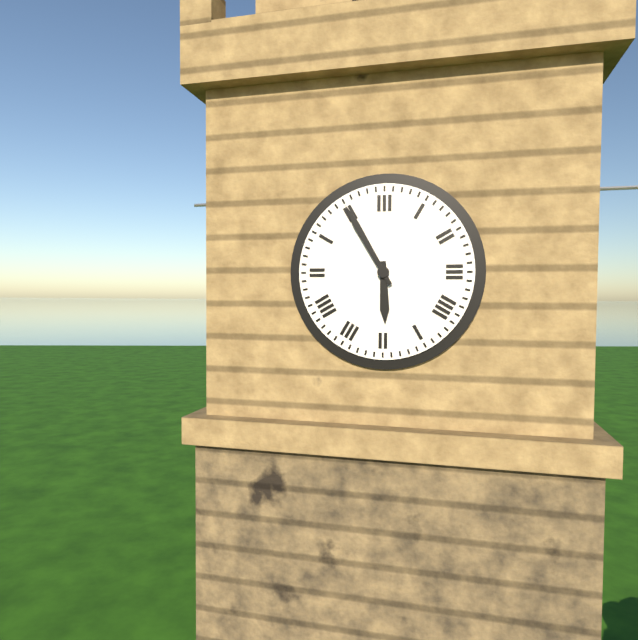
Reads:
{"hour": 5, "minute": 55}
